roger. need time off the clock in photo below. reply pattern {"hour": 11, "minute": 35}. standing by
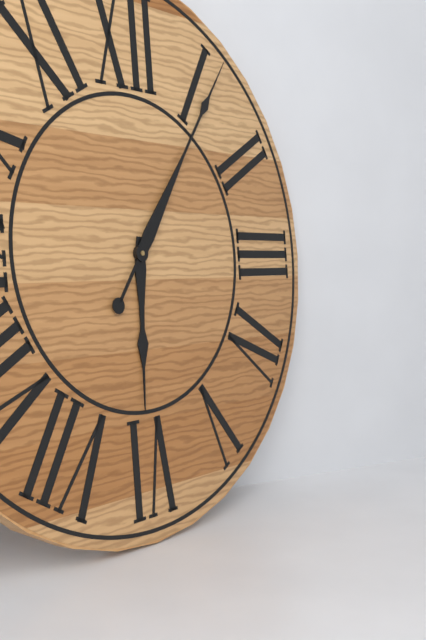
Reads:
{"hour": 6, "minute": 6}
